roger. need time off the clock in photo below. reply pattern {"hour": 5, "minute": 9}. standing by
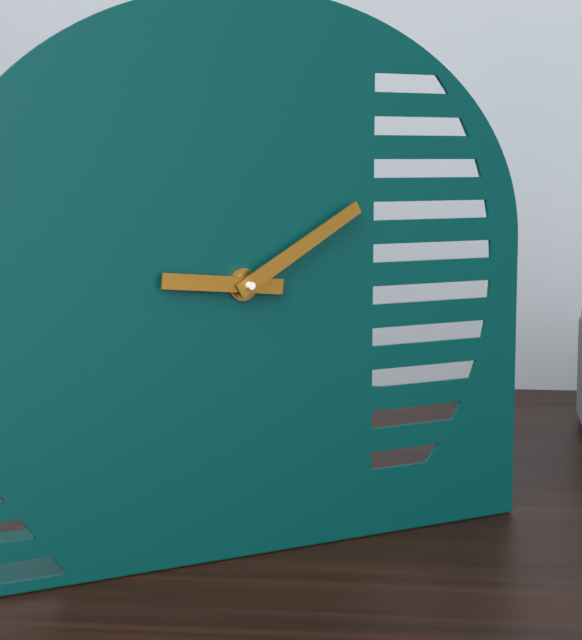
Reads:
{"hour": 9, "minute": 10}
